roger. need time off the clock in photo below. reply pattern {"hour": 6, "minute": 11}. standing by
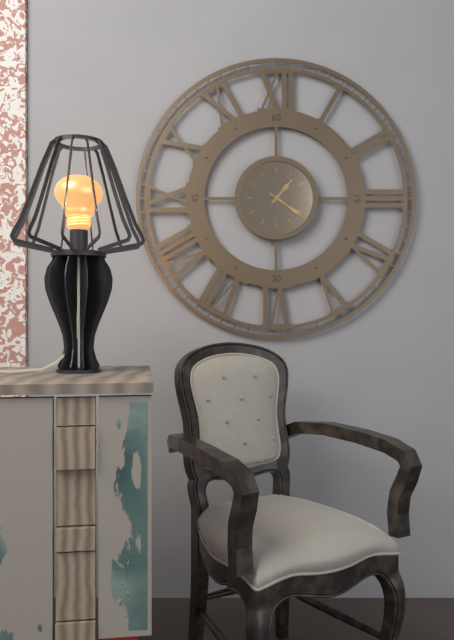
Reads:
{"hour": 1, "minute": 21}
